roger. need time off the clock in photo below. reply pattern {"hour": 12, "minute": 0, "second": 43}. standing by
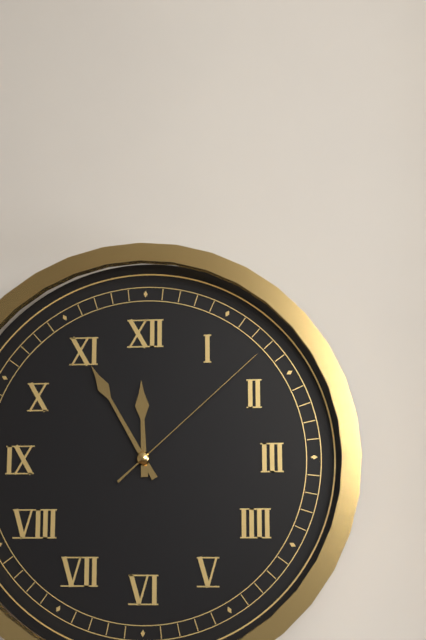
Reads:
{"hour": 11, "minute": 55, "second": 8}
